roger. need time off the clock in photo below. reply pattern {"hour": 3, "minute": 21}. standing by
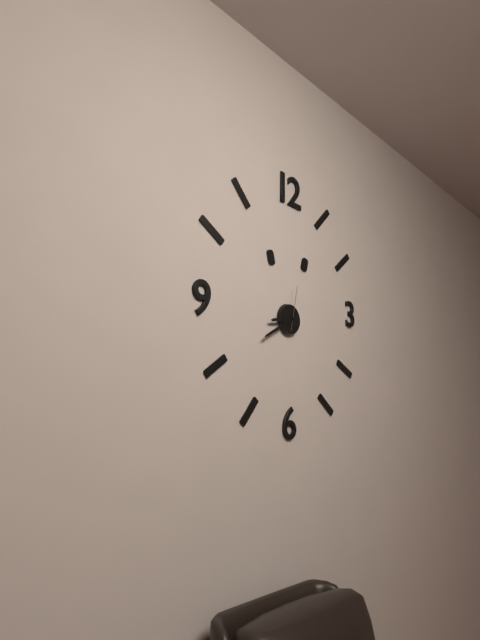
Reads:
{"hour": 8, "minute": 40}
